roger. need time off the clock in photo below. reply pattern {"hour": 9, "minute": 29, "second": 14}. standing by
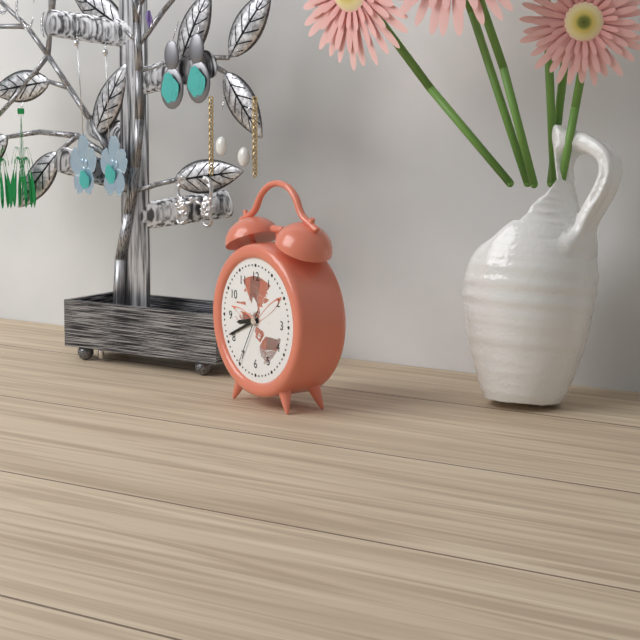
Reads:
{"hour": 8, "minute": 41, "second": 35}
